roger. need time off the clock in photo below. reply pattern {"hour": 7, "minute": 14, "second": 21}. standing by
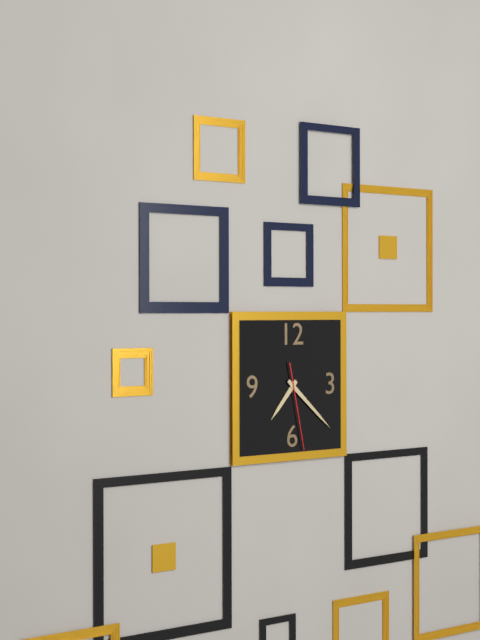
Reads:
{"hour": 7, "minute": 22, "second": 28}
